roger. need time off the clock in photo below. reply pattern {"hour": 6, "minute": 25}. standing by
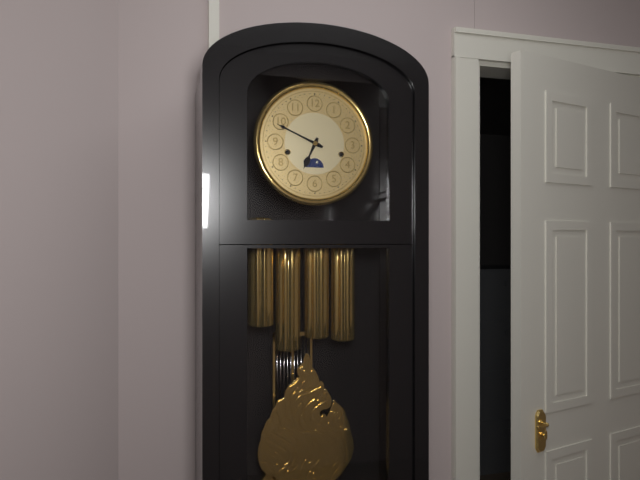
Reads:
{"hour": 6, "minute": 49}
